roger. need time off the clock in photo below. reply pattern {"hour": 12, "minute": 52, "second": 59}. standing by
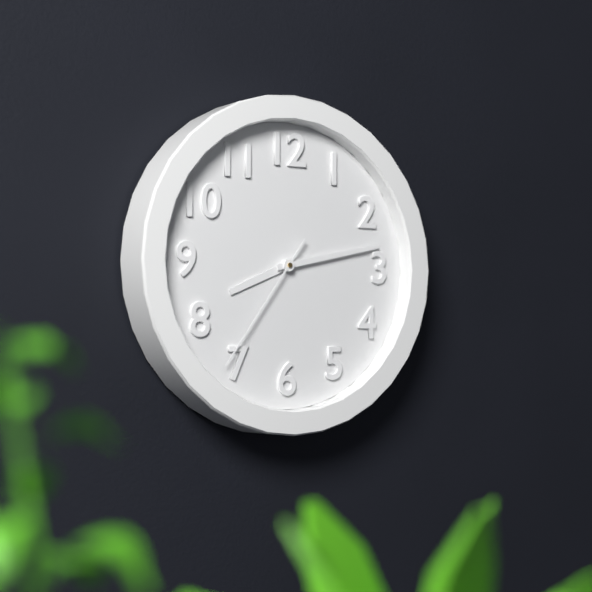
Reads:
{"hour": 8, "minute": 13, "second": 36}
